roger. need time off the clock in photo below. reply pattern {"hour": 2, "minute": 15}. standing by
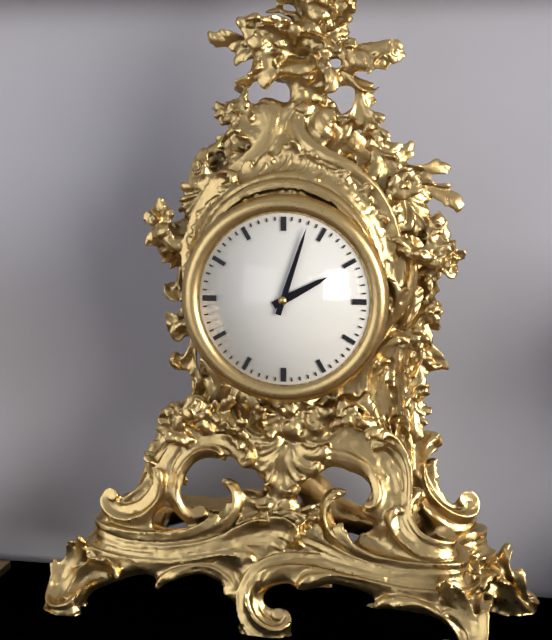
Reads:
{"hour": 2, "minute": 3}
